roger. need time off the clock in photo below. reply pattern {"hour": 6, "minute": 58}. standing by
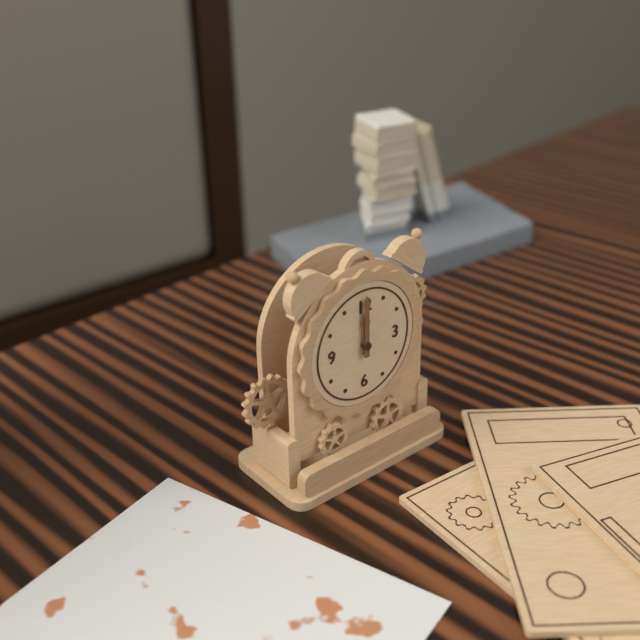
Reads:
{"hour": 12, "minute": 0}
